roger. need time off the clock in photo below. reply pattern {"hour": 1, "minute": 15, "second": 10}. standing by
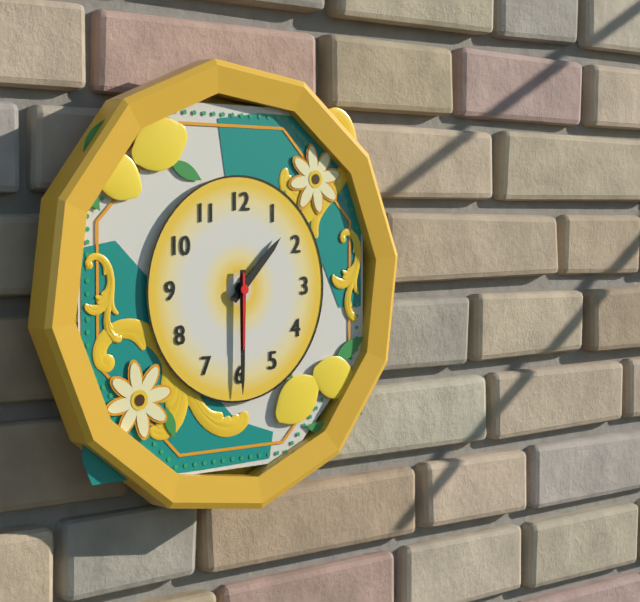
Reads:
{"hour": 1, "minute": 30, "second": 30}
